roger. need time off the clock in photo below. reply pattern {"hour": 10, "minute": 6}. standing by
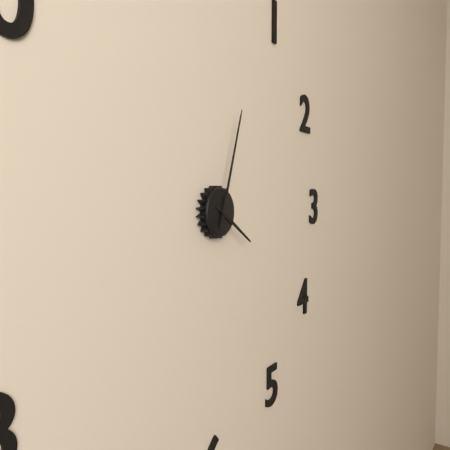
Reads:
{"hour": 4, "minute": 3}
